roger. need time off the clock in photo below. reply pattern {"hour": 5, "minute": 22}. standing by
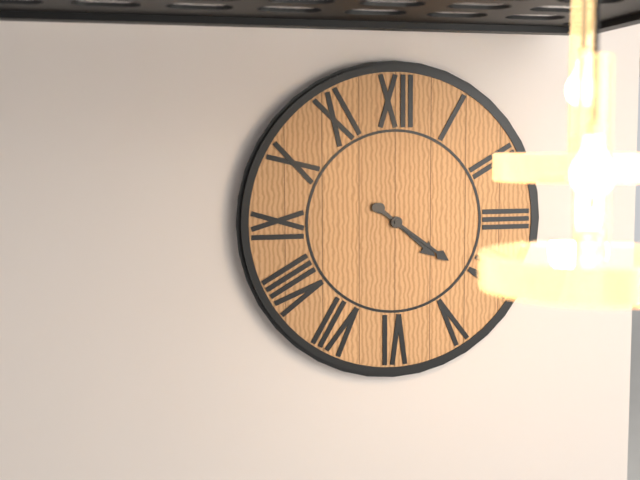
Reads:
{"hour": 4, "minute": 21}
